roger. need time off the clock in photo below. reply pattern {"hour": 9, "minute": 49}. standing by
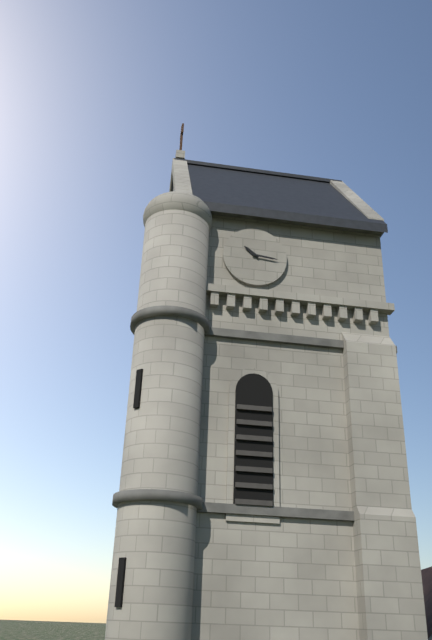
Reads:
{"hour": 10, "minute": 16}
